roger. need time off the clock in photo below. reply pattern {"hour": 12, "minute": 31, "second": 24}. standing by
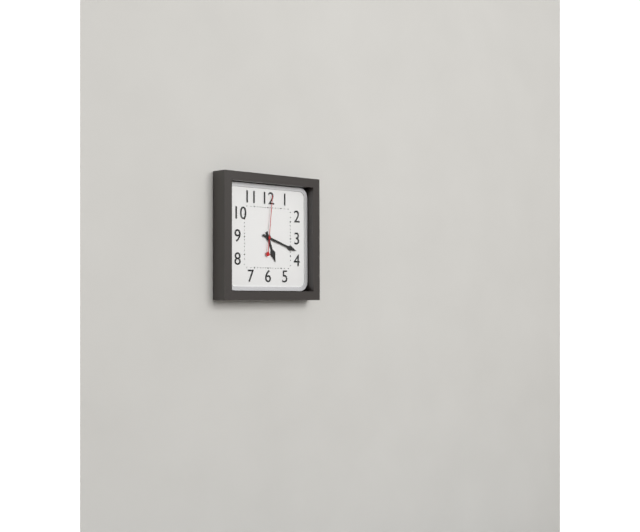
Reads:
{"hour": 5, "minute": 18, "second": 1}
